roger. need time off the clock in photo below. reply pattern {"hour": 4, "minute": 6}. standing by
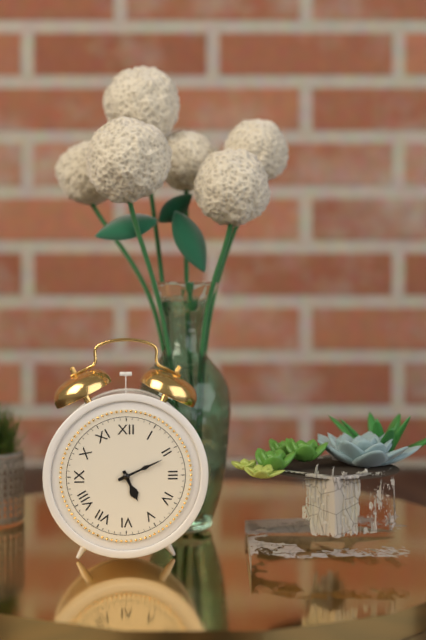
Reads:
{"hour": 5, "minute": 11}
